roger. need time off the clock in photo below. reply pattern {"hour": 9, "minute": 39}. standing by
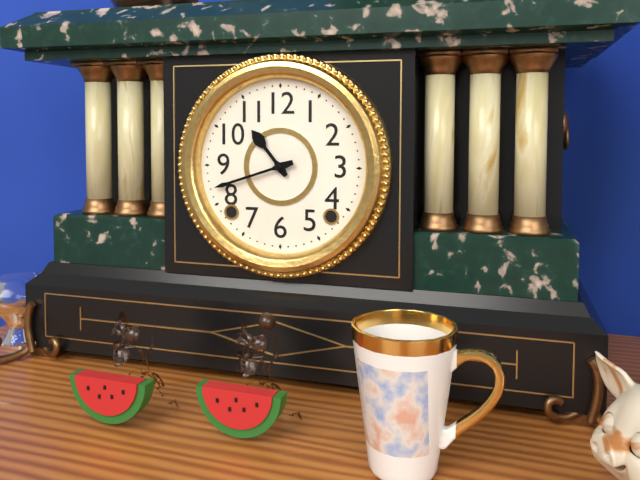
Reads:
{"hour": 10, "minute": 42}
